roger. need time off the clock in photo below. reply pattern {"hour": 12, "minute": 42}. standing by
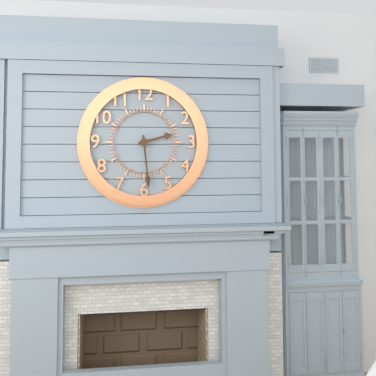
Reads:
{"hour": 2, "minute": 29}
